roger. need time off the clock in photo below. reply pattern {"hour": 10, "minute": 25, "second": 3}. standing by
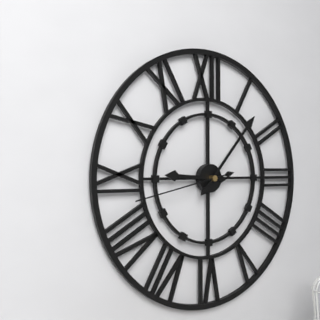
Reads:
{"hour": 9, "minute": 7, "second": 43}
